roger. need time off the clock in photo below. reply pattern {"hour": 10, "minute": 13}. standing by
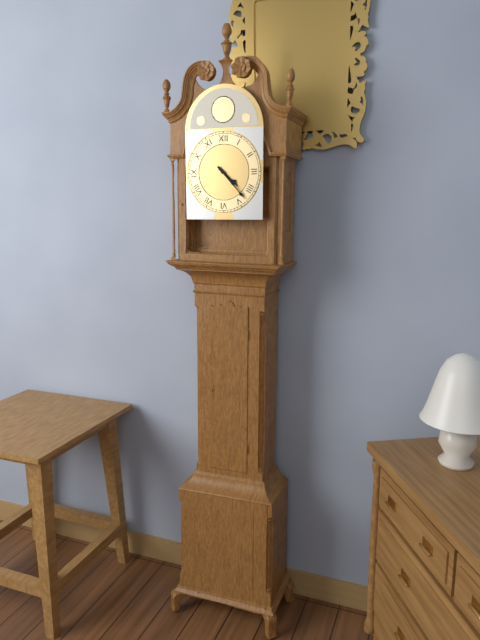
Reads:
{"hour": 4, "minute": 23}
